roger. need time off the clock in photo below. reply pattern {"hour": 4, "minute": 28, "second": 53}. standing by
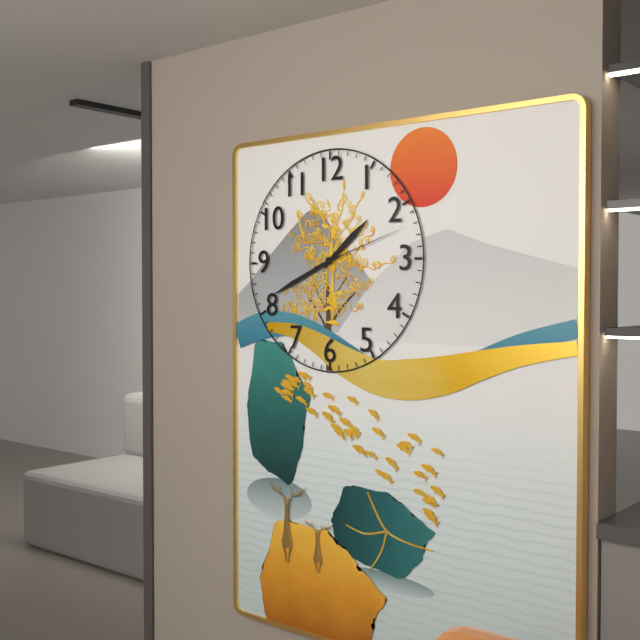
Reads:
{"hour": 1, "minute": 41, "second": 12}
